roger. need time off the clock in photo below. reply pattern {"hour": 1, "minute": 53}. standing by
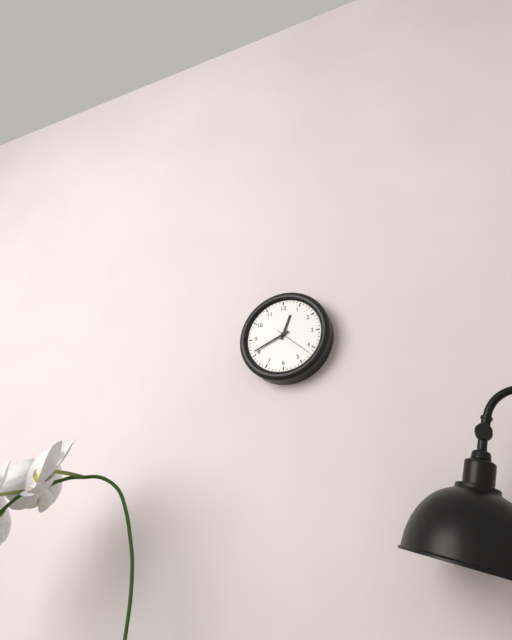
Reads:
{"hour": 12, "minute": 41}
